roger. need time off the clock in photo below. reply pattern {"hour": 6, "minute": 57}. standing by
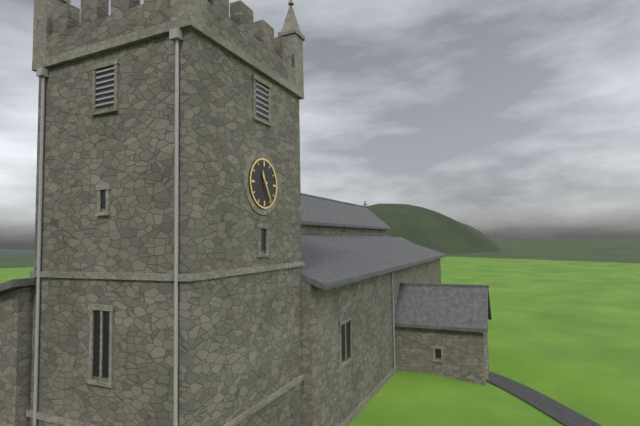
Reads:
{"hour": 11, "minute": 25}
